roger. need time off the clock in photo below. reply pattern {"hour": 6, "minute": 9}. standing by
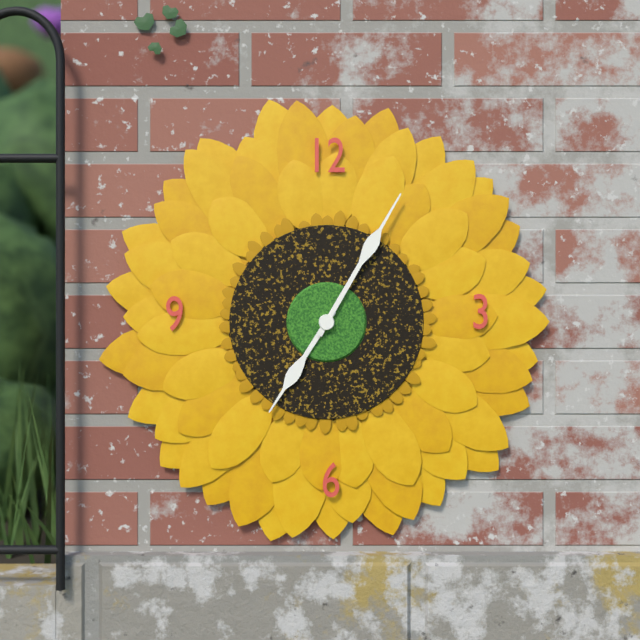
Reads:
{"hour": 7, "minute": 5}
